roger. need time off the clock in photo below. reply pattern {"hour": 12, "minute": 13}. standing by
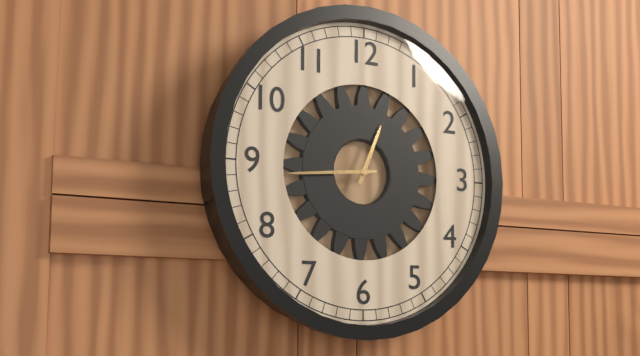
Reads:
{"hour": 12, "minute": 44}
